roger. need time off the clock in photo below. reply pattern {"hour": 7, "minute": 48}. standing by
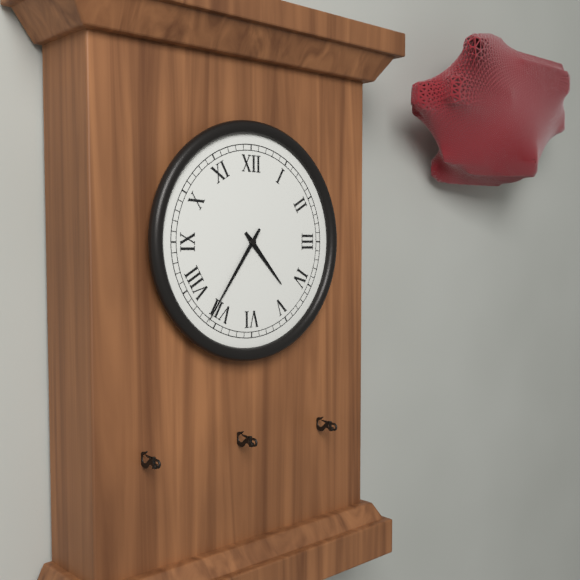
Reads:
{"hour": 4, "minute": 36}
